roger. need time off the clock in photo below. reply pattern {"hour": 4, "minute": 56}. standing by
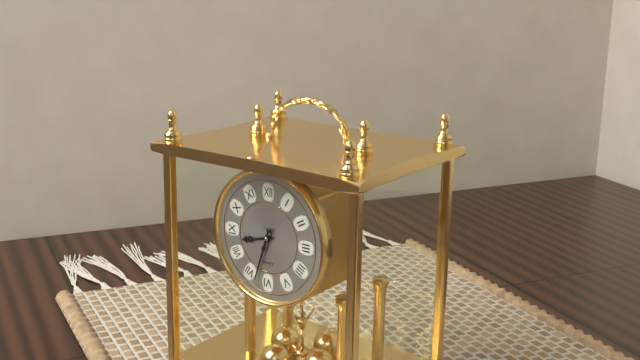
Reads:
{"hour": 8, "minute": 33}
